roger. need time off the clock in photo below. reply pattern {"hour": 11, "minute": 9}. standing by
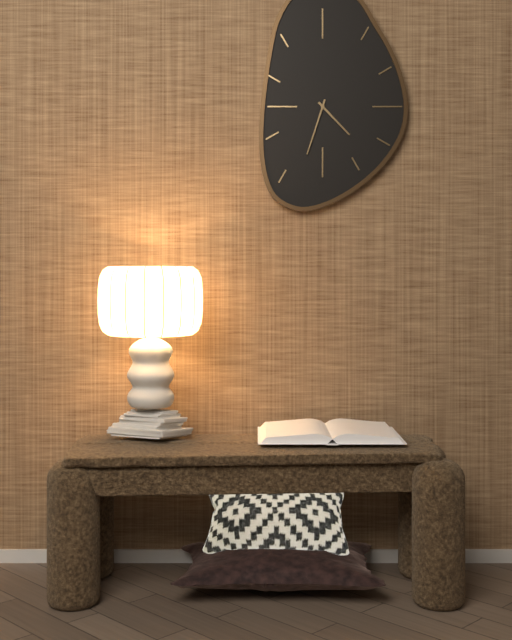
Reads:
{"hour": 4, "minute": 33}
